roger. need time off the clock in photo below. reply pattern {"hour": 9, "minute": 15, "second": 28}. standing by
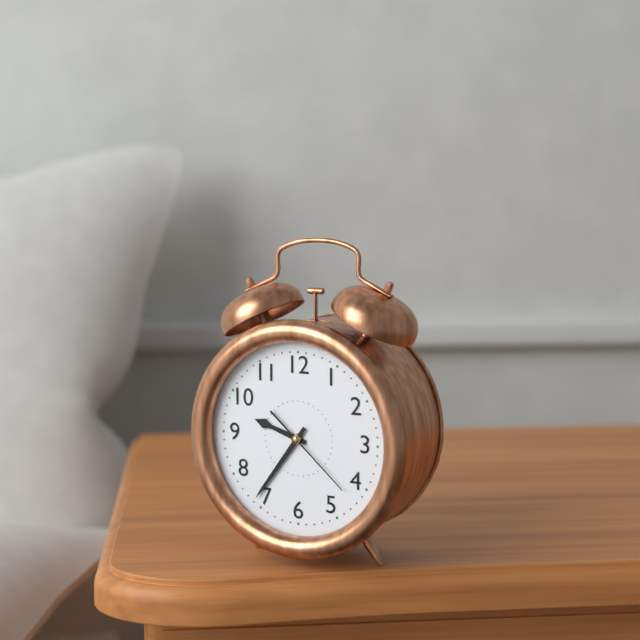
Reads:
{"hour": 9, "minute": 36, "second": 22}
